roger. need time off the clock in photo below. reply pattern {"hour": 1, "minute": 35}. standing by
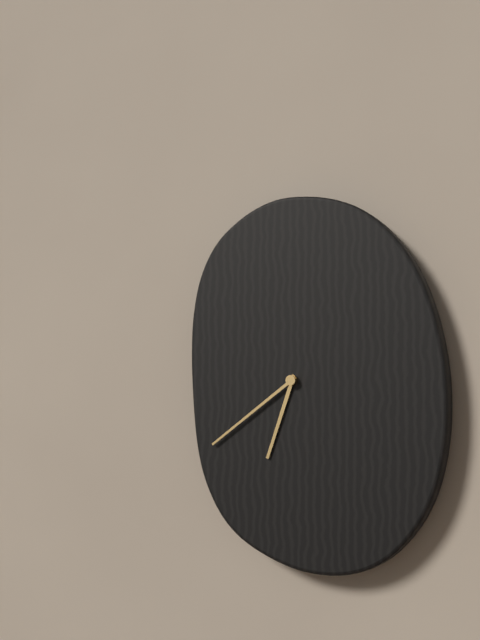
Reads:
{"hour": 6, "minute": 39}
